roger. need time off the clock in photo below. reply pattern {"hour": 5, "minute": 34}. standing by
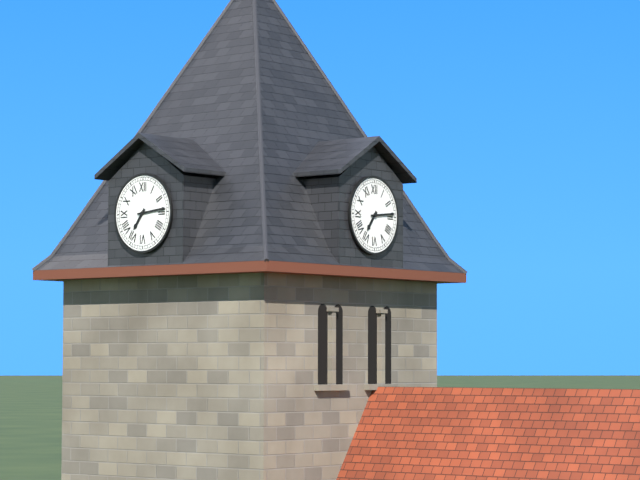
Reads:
{"hour": 7, "minute": 14}
